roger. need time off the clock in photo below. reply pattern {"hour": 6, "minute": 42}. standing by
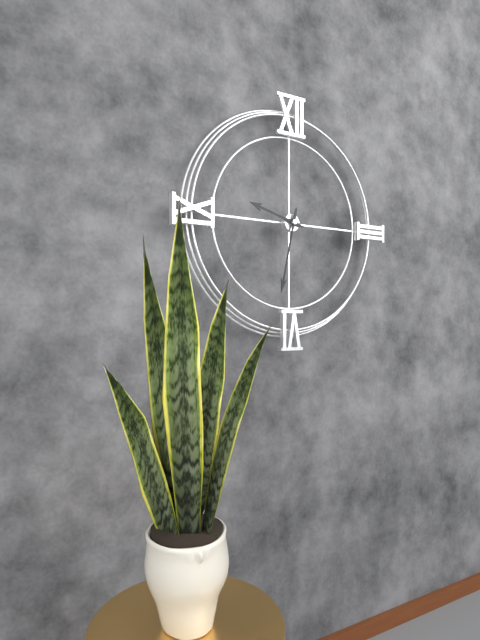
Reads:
{"hour": 9, "minute": 32}
